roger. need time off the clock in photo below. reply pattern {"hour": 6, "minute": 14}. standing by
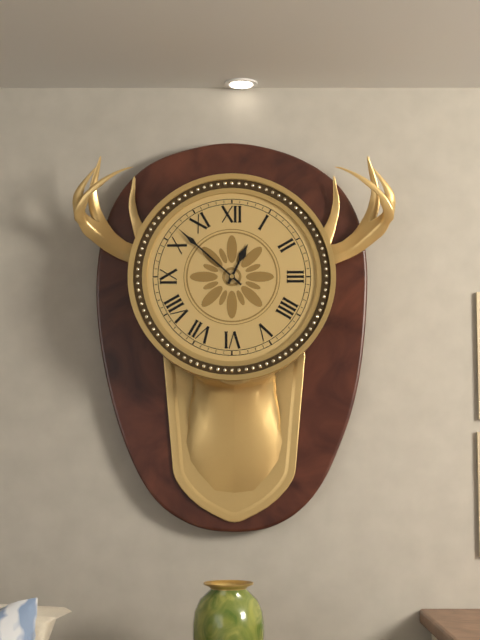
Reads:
{"hour": 12, "minute": 52}
